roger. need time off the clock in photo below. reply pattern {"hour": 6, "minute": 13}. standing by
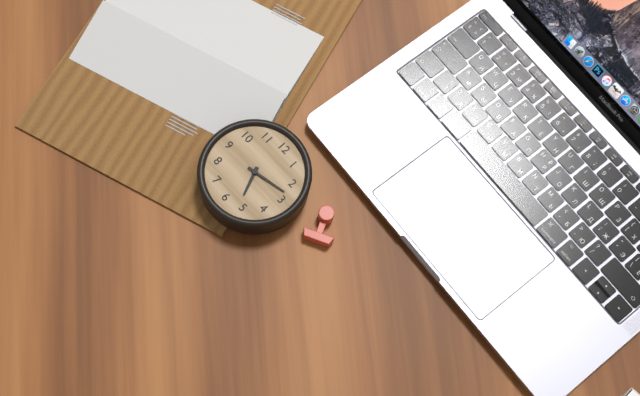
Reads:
{"hour": 5, "minute": 13}
